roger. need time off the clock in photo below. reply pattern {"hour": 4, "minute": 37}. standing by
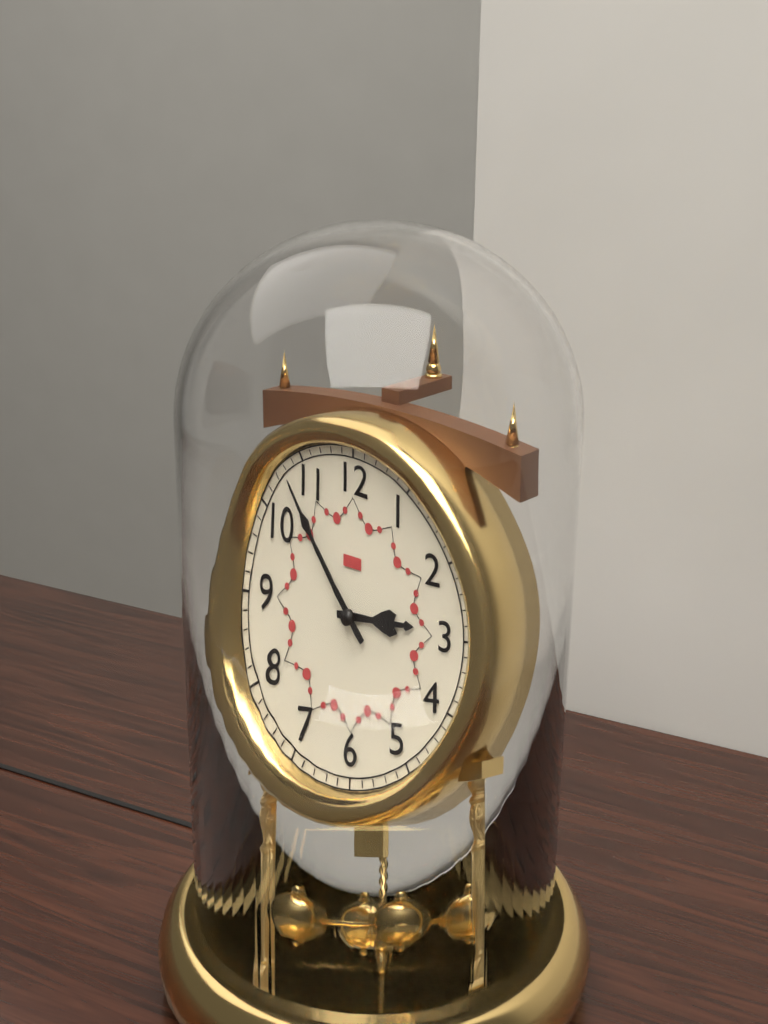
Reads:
{"hour": 2, "minute": 53}
